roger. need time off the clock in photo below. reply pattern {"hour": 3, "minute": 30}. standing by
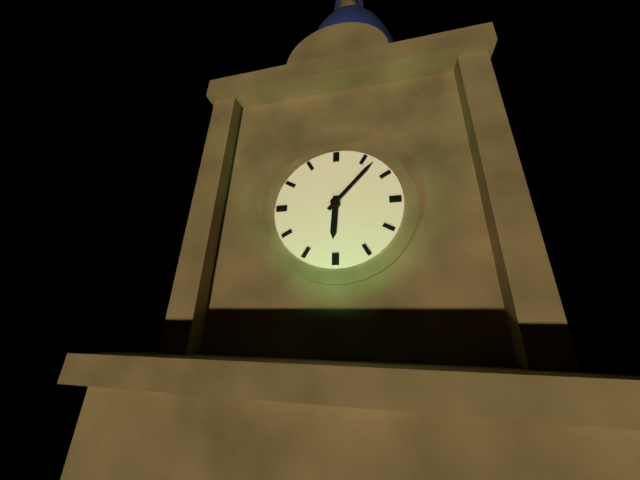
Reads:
{"hour": 6, "minute": 7}
